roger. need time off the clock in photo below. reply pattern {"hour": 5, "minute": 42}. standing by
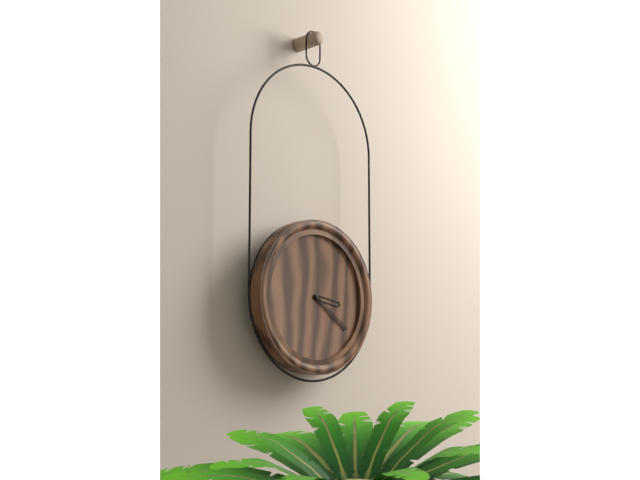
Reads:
{"hour": 3, "minute": 21}
